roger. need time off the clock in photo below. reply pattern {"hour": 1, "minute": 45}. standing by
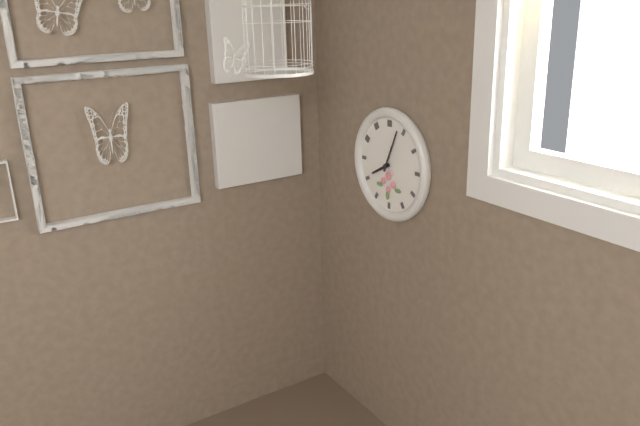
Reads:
{"hour": 8, "minute": 4}
